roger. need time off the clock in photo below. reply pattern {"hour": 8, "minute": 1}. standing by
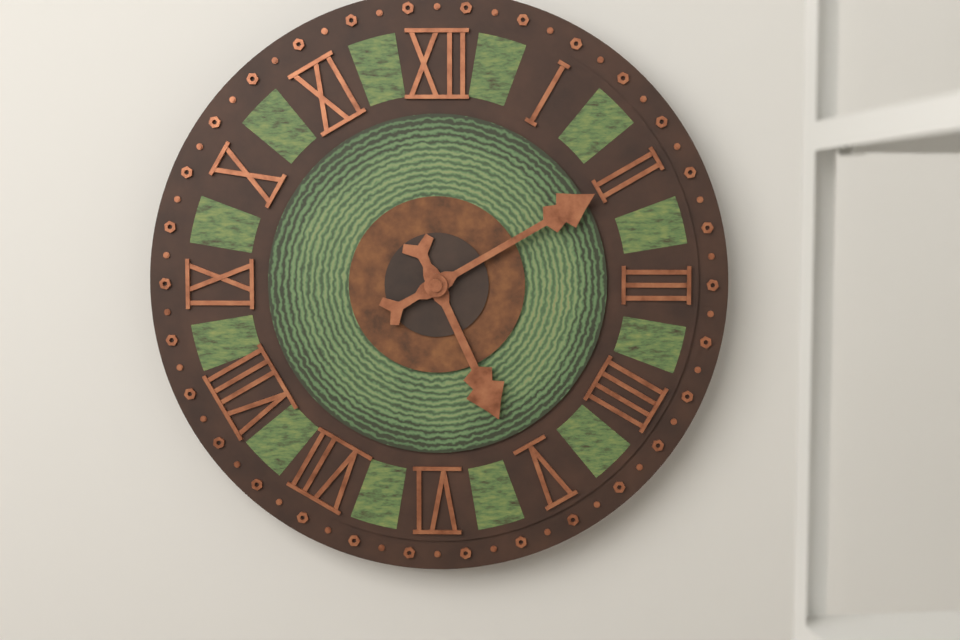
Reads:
{"hour": 5, "minute": 10}
